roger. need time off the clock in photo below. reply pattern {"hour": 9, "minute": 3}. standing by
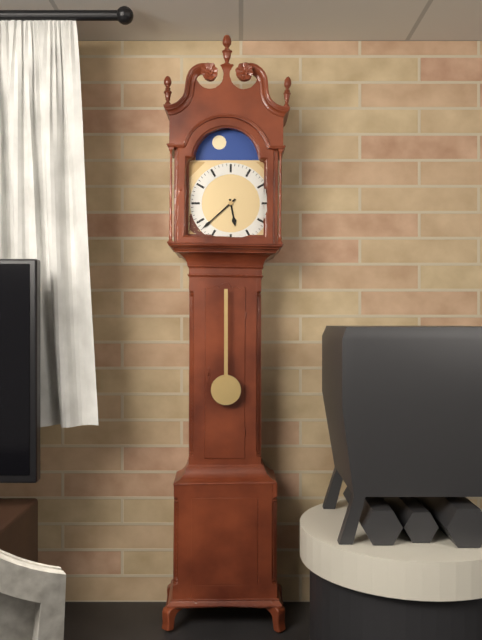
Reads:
{"hour": 5, "minute": 38}
